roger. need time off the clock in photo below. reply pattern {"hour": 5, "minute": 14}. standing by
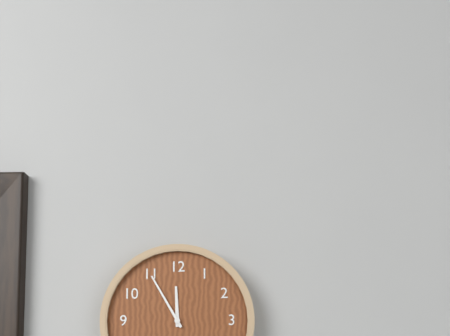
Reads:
{"hour": 11, "minute": 55}
